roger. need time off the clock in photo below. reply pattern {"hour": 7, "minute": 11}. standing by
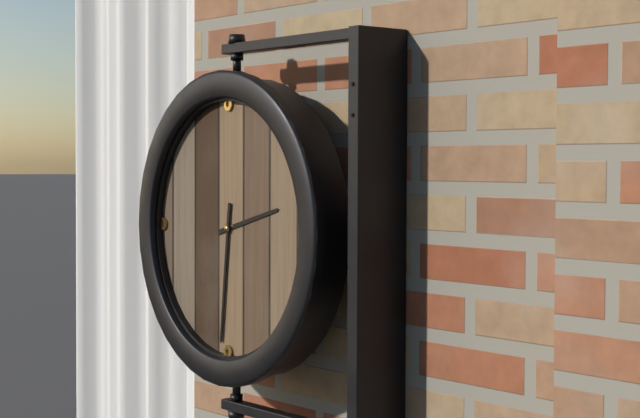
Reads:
{"hour": 2, "minute": 31}
